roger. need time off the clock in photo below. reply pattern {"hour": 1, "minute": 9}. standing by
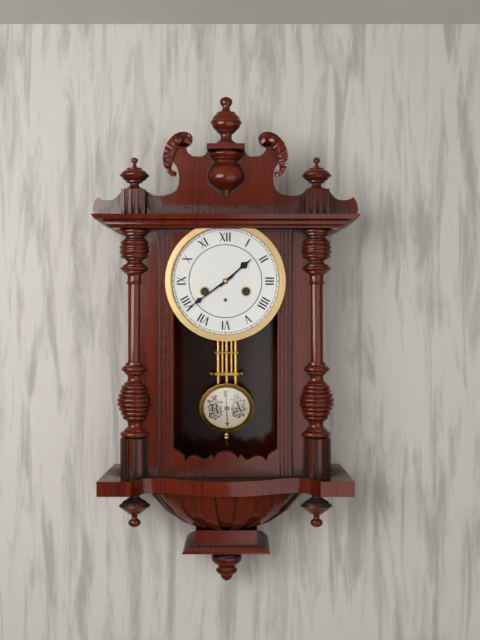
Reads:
{"hour": 1, "minute": 39}
